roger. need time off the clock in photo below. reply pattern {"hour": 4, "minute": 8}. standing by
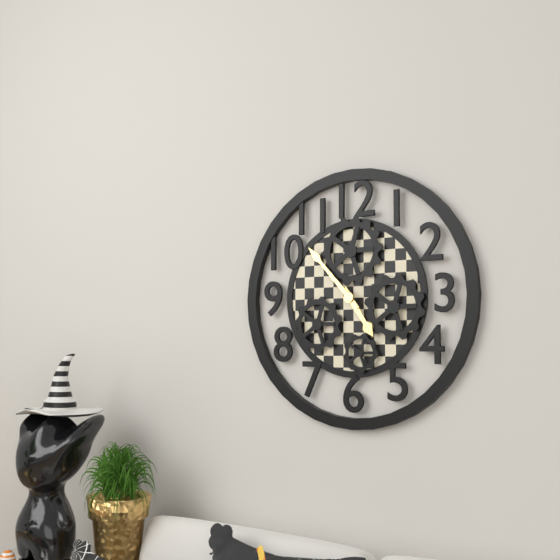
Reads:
{"hour": 4, "minute": 53}
